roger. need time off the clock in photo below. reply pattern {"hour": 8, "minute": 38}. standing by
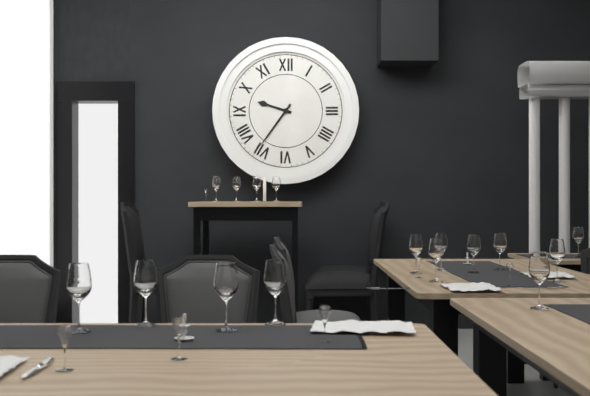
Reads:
{"hour": 9, "minute": 36}
